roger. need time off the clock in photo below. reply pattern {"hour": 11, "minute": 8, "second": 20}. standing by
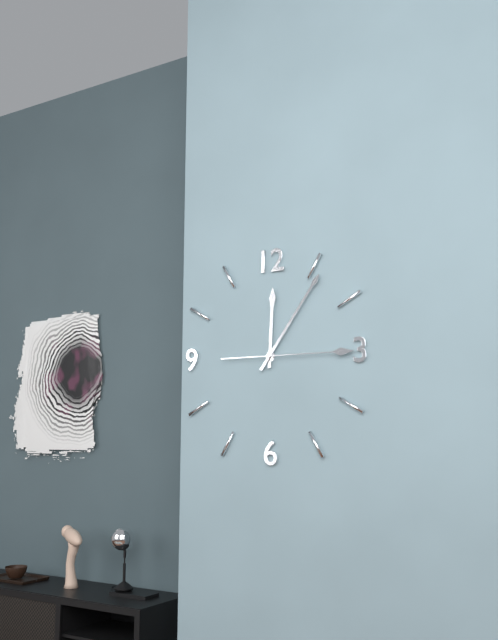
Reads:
{"hour": 12, "minute": 6, "second": 15}
